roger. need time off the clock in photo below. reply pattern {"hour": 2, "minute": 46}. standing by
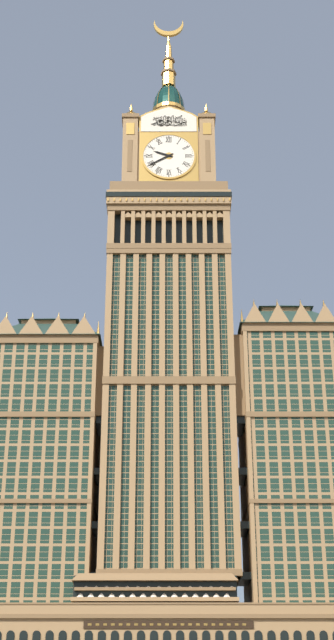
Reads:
{"hour": 9, "minute": 40}
